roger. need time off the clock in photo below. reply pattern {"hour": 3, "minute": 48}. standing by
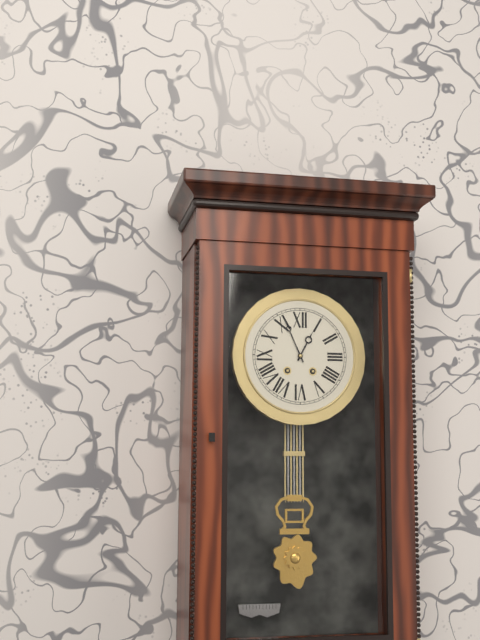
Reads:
{"hour": 12, "minute": 56}
